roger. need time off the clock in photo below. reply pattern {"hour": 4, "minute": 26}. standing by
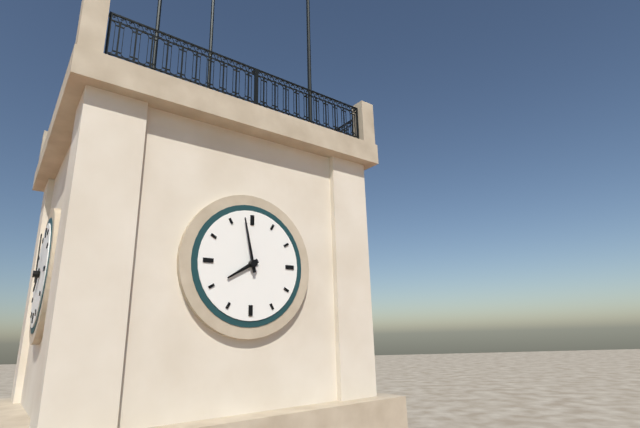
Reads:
{"hour": 7, "minute": 58}
